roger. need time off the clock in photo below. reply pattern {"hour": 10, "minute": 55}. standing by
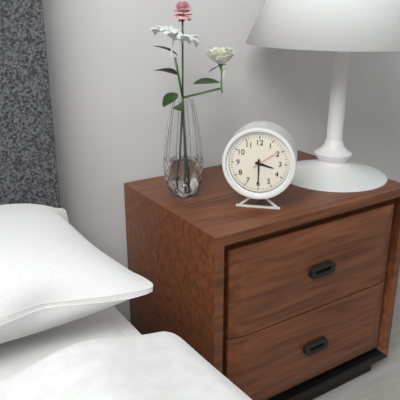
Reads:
{"hour": 3, "minute": 30}
